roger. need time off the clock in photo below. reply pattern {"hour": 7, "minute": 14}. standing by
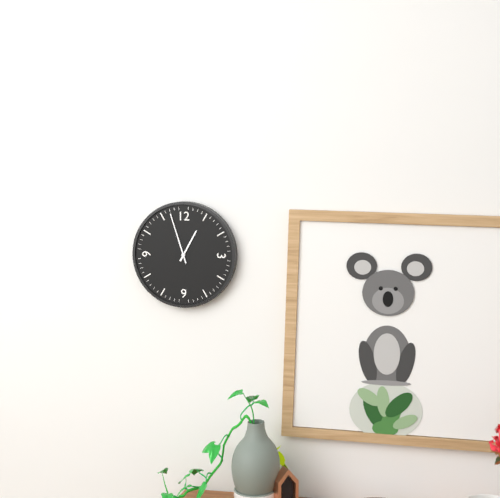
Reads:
{"hour": 12, "minute": 57}
